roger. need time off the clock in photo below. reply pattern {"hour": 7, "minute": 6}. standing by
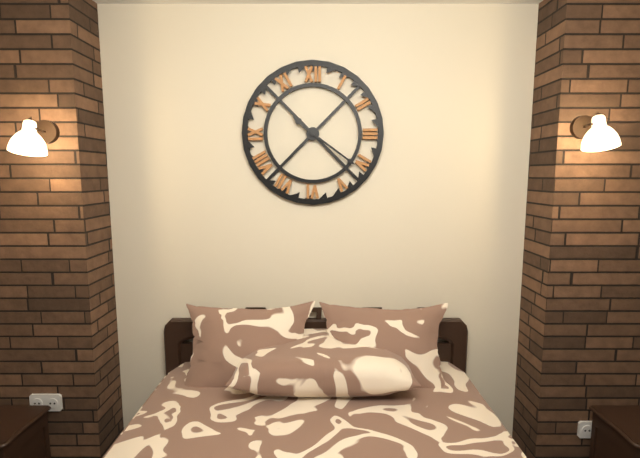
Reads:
{"hour": 10, "minute": 21}
